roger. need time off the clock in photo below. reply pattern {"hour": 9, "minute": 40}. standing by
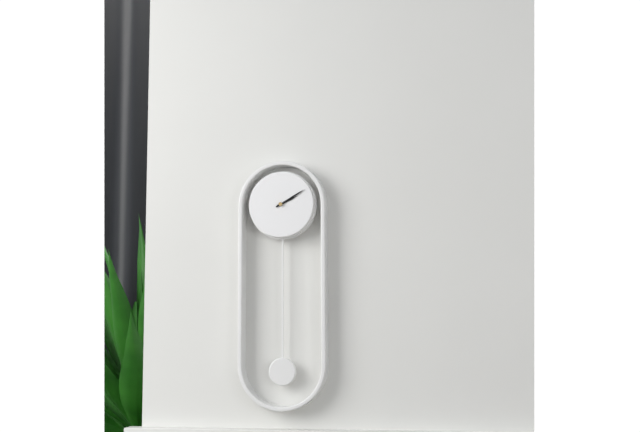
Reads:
{"hour": 2, "minute": 10}
